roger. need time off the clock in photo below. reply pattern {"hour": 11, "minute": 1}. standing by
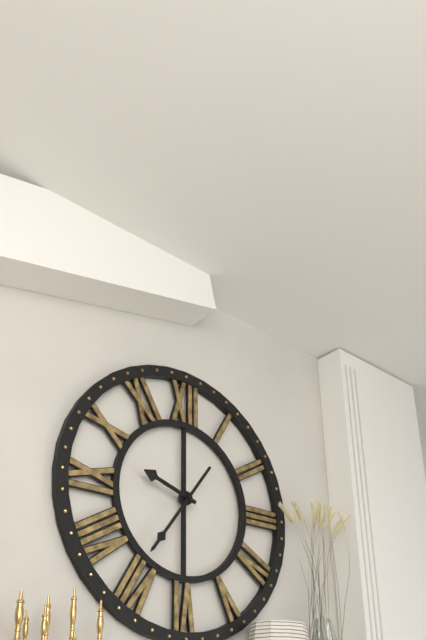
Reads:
{"hour": 9, "minute": 36}
